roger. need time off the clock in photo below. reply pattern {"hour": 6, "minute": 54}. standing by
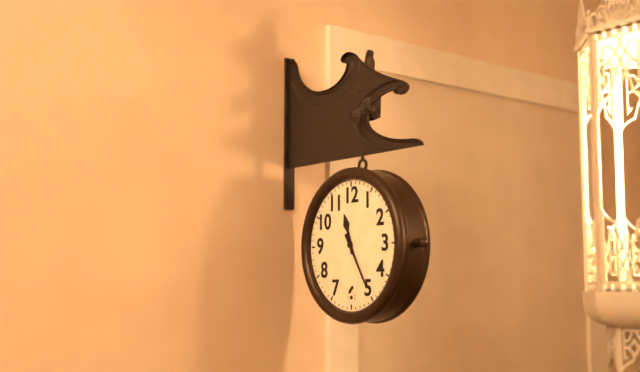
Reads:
{"hour": 11, "minute": 25}
